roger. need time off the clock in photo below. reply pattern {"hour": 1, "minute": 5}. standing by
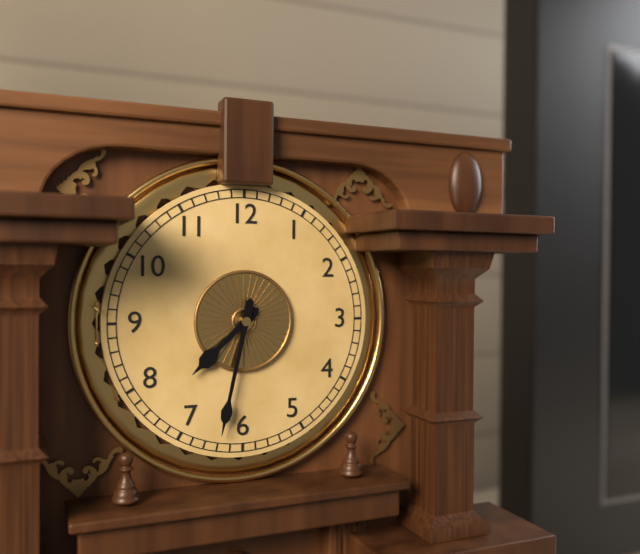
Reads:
{"hour": 7, "minute": 32}
